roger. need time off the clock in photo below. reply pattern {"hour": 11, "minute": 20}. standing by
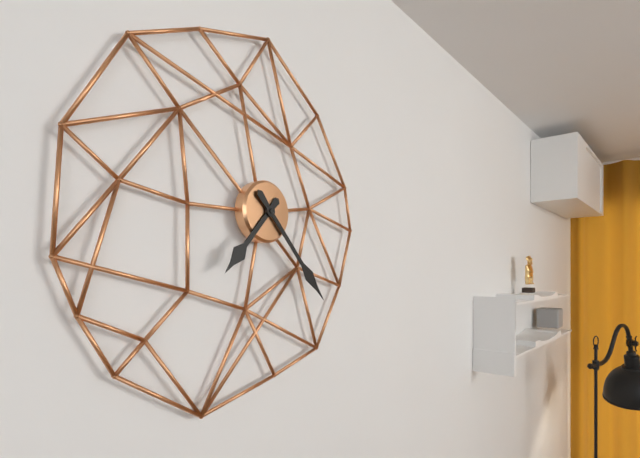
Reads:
{"hour": 7, "minute": 23}
